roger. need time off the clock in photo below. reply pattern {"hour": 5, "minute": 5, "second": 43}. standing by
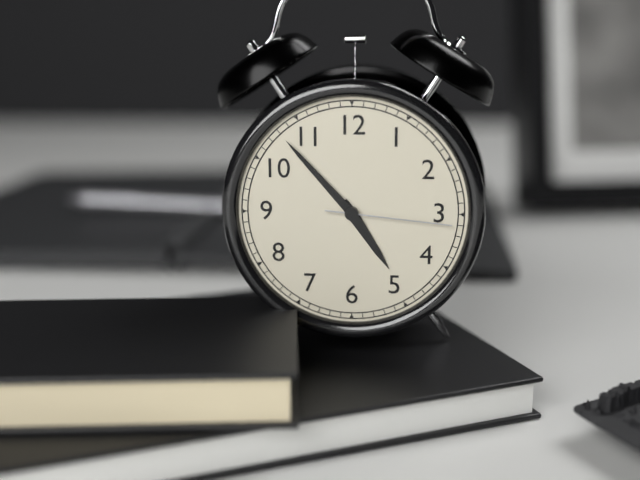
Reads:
{"hour": 4, "minute": 53, "second": 16}
